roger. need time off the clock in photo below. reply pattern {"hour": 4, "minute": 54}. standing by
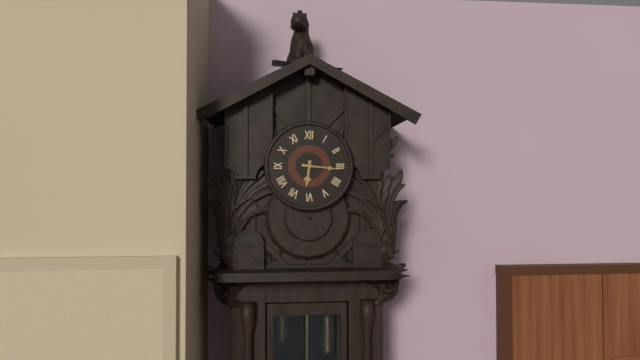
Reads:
{"hour": 6, "minute": 16}
